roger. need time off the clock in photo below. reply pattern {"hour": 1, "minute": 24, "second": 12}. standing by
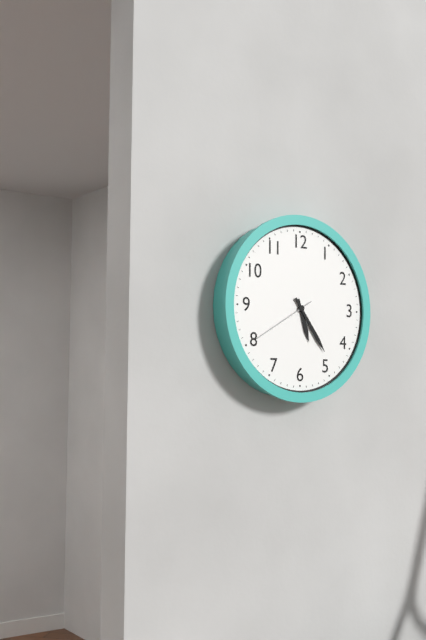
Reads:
{"hour": 5, "minute": 24, "second": 40}
